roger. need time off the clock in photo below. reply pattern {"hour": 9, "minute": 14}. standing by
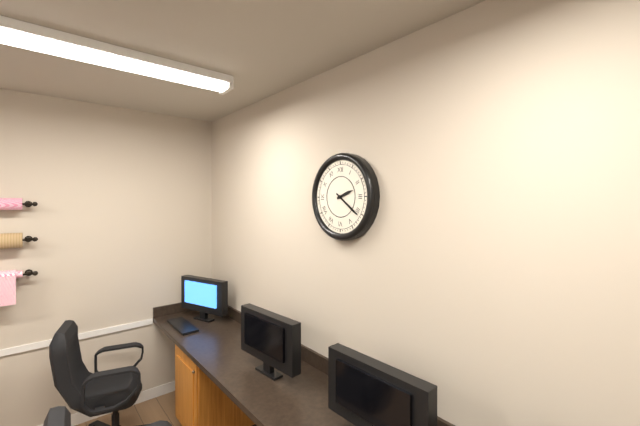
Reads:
{"hour": 2, "minute": 21}
